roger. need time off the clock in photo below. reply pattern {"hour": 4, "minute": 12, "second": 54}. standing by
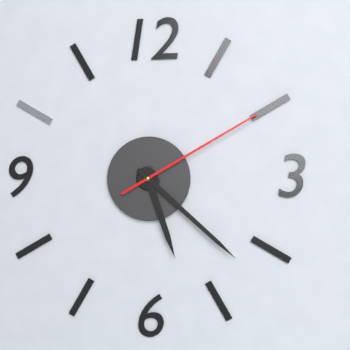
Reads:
{"hour": 5, "minute": 22, "second": 10}
